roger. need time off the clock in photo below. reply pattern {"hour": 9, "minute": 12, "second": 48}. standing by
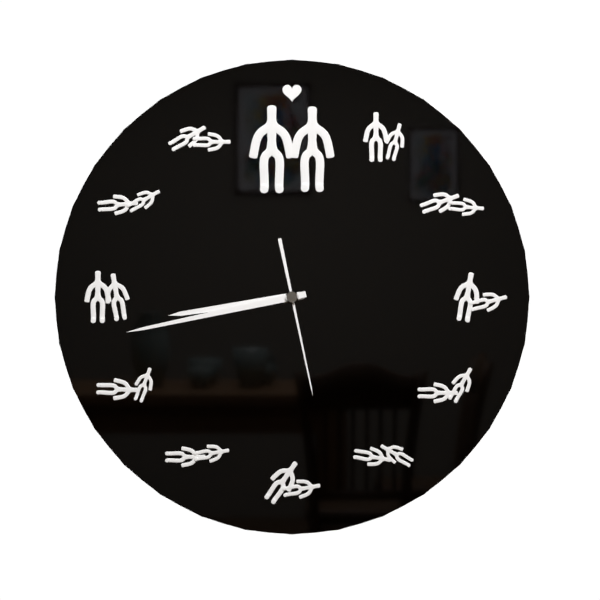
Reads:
{"hour": 8, "minute": 43, "second": 28}
